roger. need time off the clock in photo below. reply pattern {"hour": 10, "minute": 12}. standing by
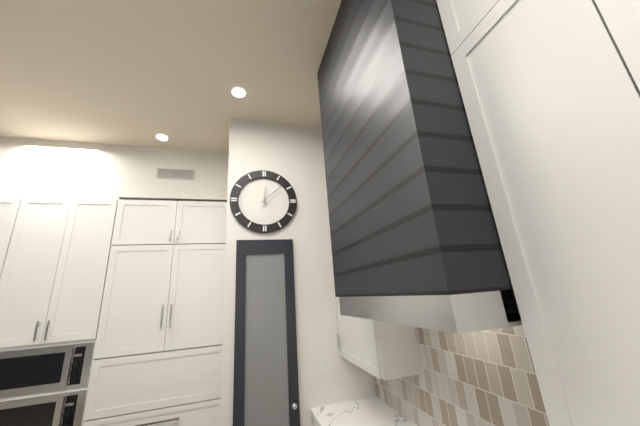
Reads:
{"hour": 12, "minute": 8}
